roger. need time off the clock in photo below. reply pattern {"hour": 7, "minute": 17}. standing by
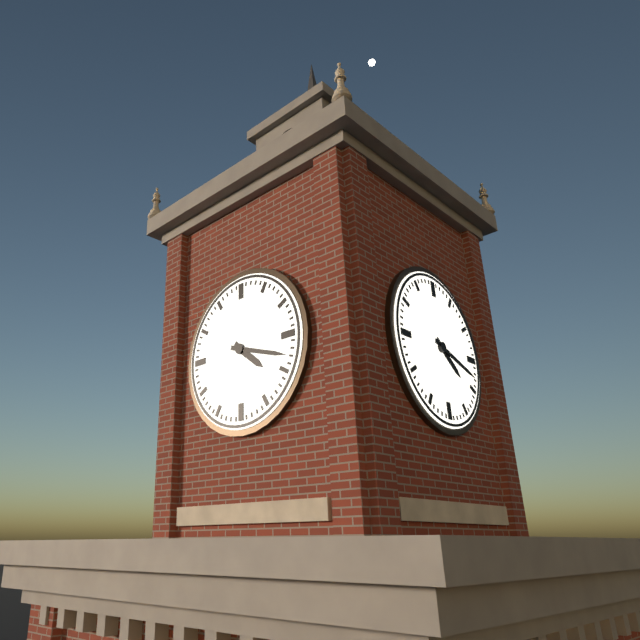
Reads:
{"hour": 4, "minute": 18}
